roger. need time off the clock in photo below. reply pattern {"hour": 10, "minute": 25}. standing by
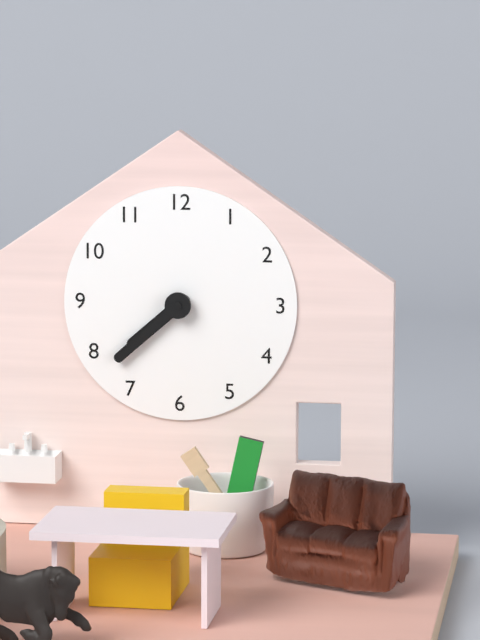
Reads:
{"hour": 7, "minute": 38}
